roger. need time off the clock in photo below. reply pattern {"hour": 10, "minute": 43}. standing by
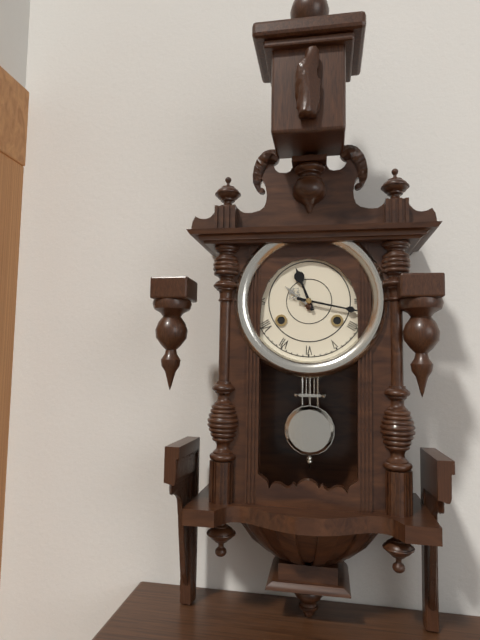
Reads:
{"hour": 11, "minute": 17}
